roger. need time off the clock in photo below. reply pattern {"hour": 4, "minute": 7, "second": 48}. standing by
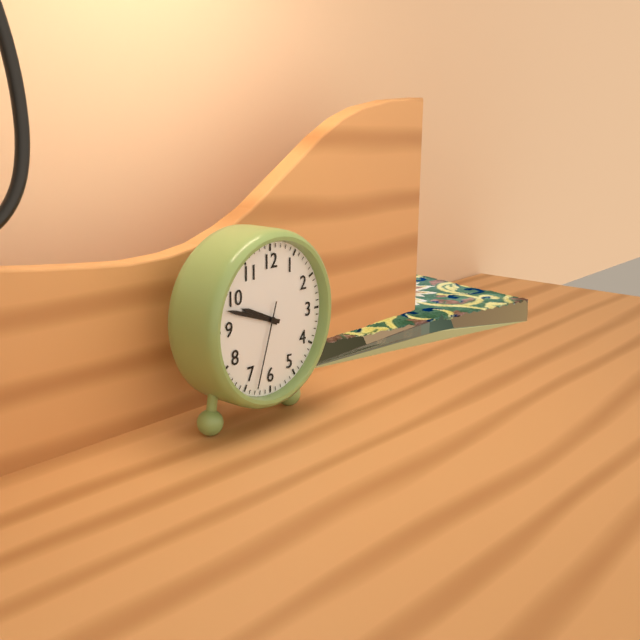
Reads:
{"hour": 9, "minute": 48, "second": 33}
